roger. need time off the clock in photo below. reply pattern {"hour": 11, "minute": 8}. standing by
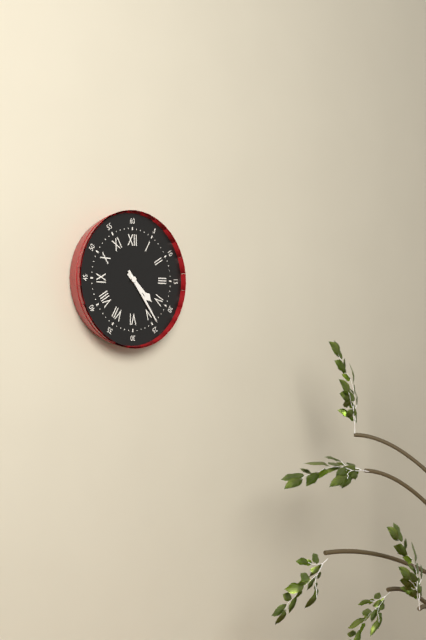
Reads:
{"hour": 4, "minute": 24}
